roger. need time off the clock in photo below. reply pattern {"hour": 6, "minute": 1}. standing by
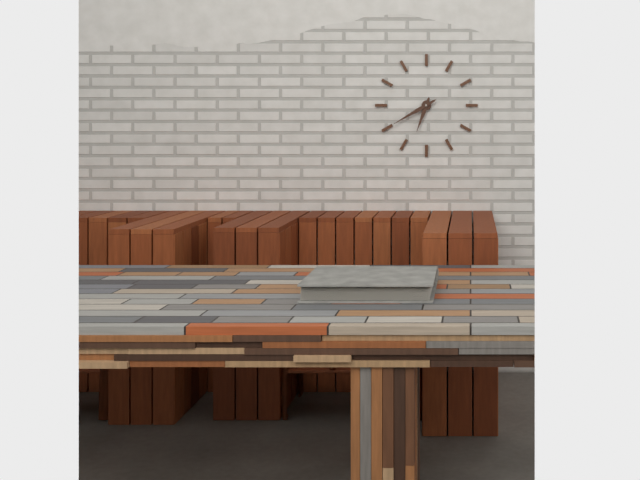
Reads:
{"hour": 6, "minute": 40}
